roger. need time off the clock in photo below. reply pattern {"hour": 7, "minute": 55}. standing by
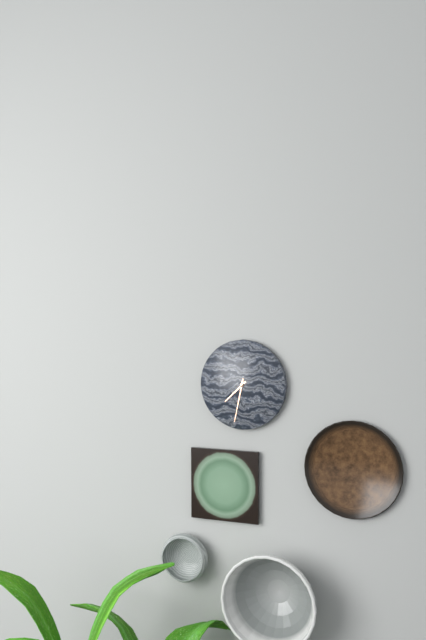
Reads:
{"hour": 7, "minute": 32}
